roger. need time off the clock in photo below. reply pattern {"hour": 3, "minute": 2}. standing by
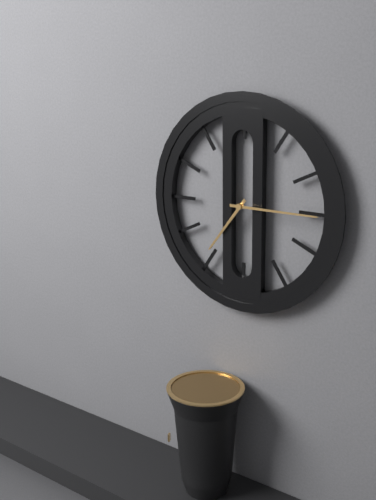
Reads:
{"hour": 7, "minute": 15}
